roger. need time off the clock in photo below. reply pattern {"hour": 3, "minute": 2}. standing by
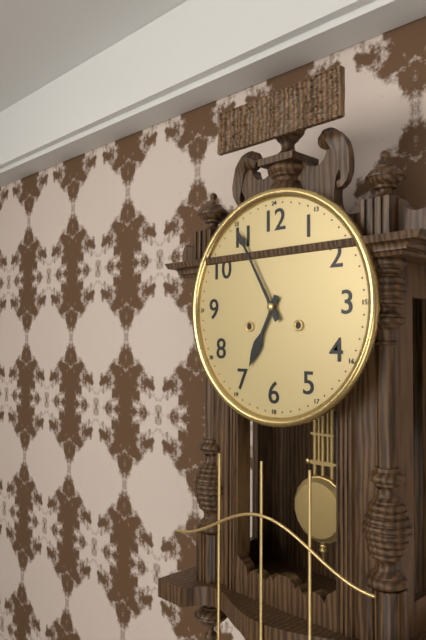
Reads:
{"hour": 6, "minute": 55}
